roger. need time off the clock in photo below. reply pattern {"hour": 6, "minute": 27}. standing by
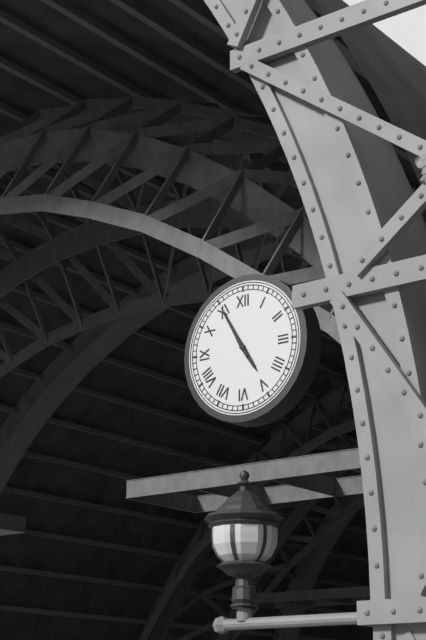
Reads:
{"hour": 4, "minute": 55}
